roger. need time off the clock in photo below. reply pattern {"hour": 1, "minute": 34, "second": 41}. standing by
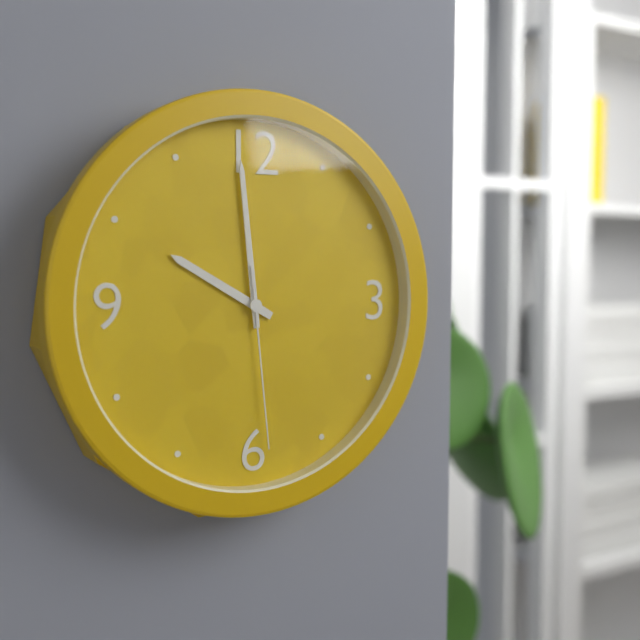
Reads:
{"hour": 9, "minute": 59, "second": 29}
